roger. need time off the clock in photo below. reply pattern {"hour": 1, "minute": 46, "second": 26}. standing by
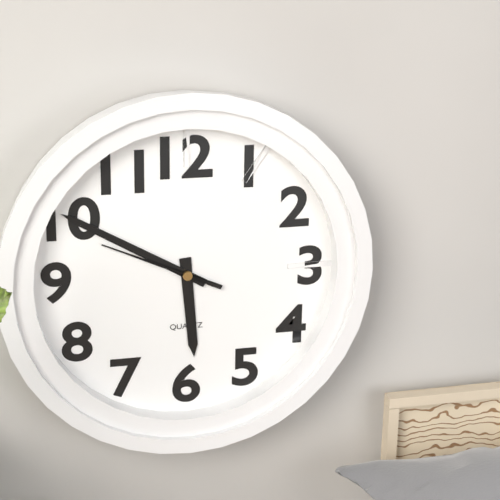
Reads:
{"hour": 5, "minute": 50, "second": 49}
